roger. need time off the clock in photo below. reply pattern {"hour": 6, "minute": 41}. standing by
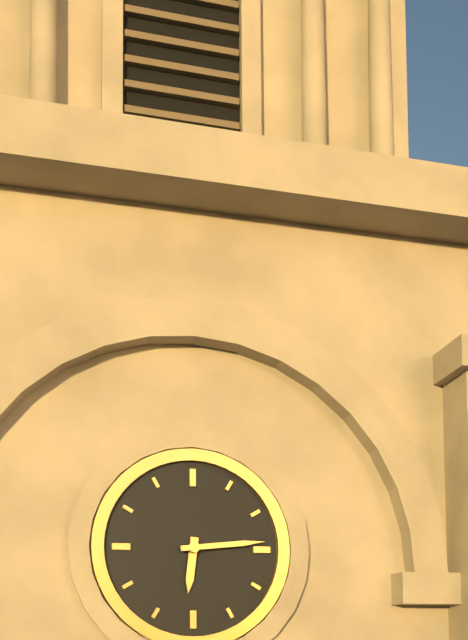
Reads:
{"hour": 6, "minute": 14}
